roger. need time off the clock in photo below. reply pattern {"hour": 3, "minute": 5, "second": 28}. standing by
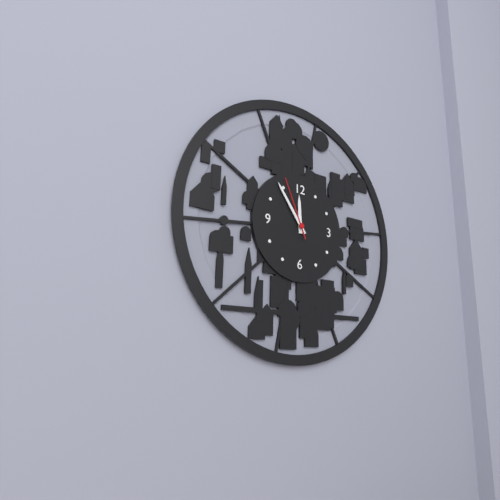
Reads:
{"hour": 11, "minute": 54, "second": 56}
